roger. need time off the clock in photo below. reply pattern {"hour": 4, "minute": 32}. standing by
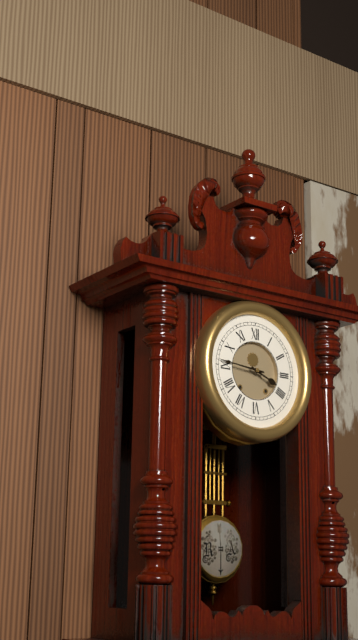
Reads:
{"hour": 3, "minute": 46}
